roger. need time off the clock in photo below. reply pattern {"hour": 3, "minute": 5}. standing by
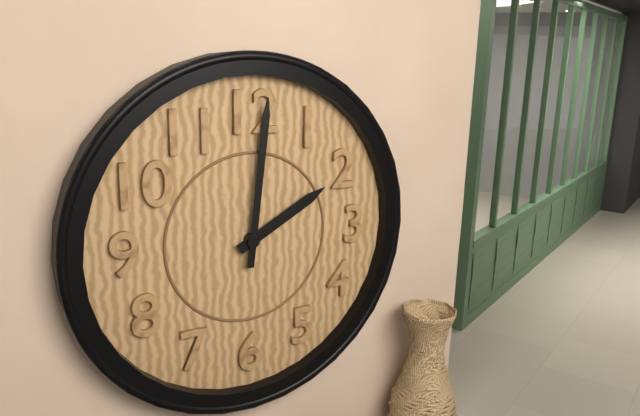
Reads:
{"hour": 2, "minute": 1}
